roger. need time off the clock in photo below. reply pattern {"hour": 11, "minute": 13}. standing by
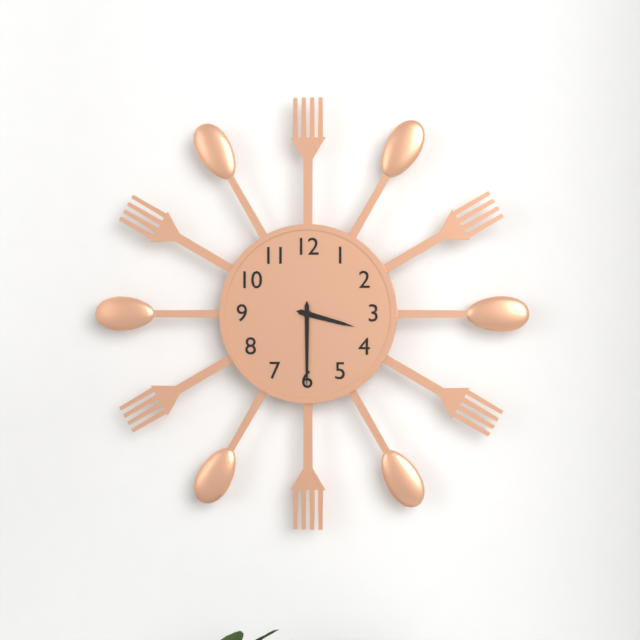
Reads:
{"hour": 3, "minute": 30}
